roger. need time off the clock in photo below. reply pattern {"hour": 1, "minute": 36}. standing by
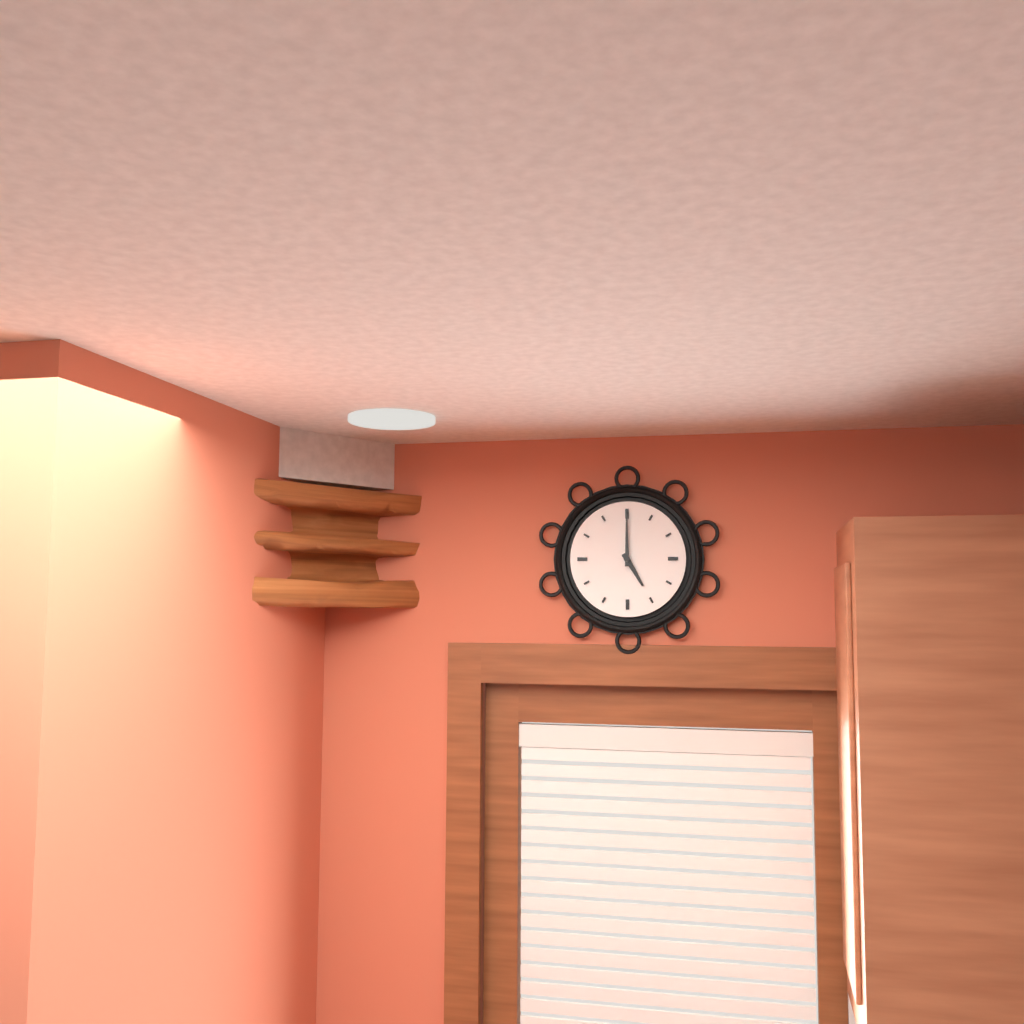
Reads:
{"hour": 5, "minute": 0}
